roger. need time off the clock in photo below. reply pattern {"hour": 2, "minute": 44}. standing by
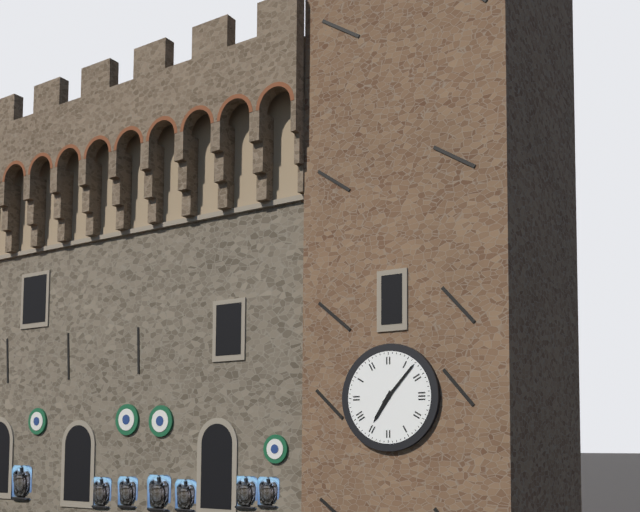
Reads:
{"hour": 7, "minute": 7}
